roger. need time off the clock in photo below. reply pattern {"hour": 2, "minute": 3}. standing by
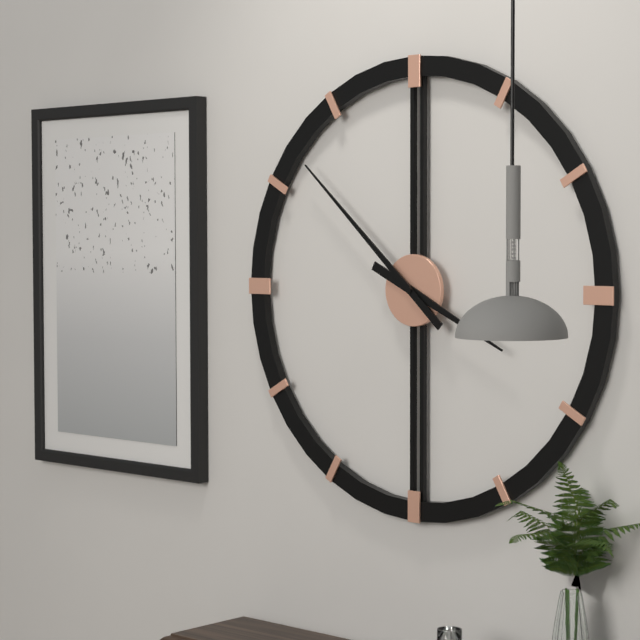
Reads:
{"hour": 3, "minute": 52}
